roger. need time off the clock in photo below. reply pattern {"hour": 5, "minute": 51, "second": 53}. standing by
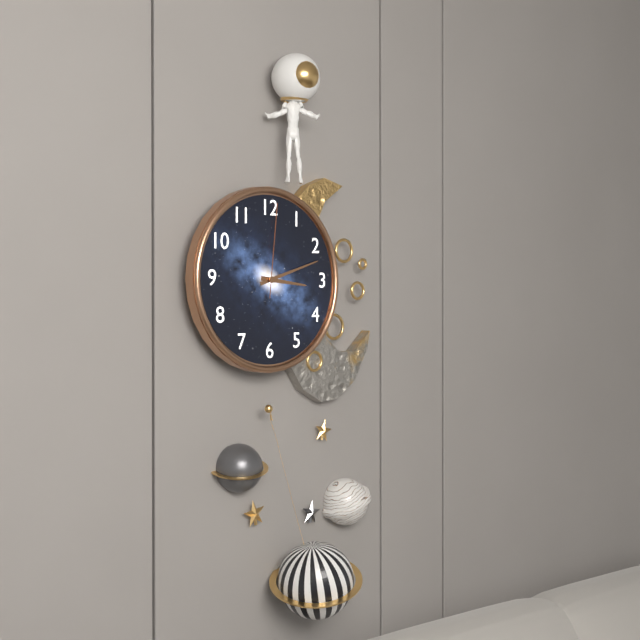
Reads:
{"hour": 3, "minute": 12, "second": 1}
